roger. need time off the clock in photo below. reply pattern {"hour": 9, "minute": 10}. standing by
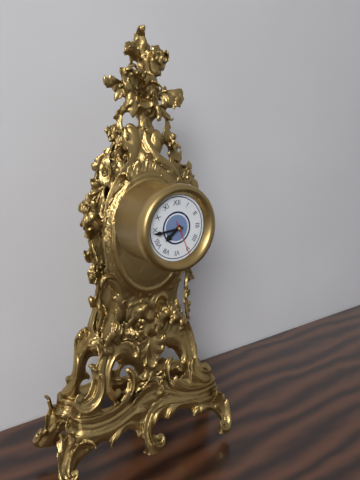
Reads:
{"hour": 7, "minute": 44}
